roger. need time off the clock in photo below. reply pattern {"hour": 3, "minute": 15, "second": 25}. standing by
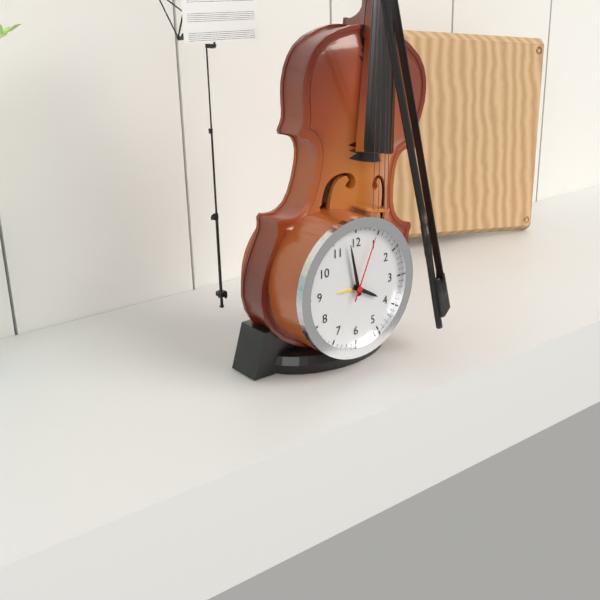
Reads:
{"hour": 3, "minute": 58, "second": 4}
